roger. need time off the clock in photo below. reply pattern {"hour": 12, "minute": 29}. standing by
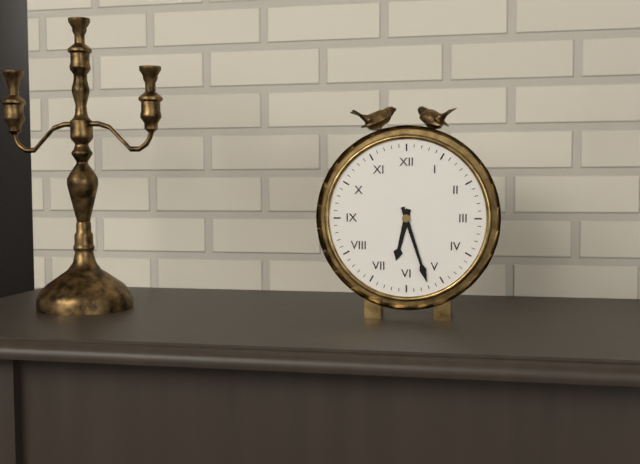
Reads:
{"hour": 6, "minute": 27}
